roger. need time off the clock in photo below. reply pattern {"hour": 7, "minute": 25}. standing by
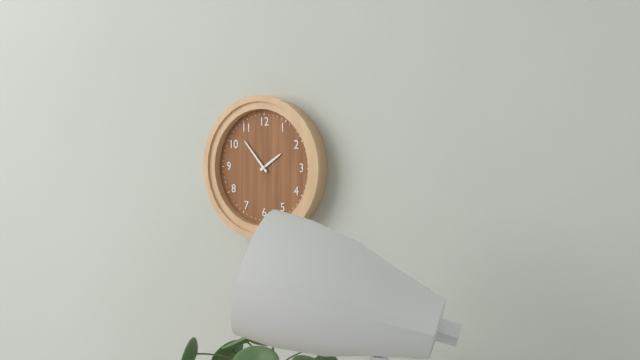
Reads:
{"hour": 1, "minute": 53}
